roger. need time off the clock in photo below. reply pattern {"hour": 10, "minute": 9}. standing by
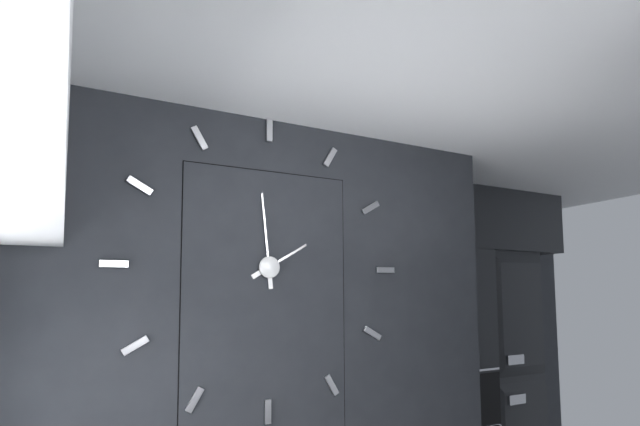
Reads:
{"hour": 1, "minute": 59}
